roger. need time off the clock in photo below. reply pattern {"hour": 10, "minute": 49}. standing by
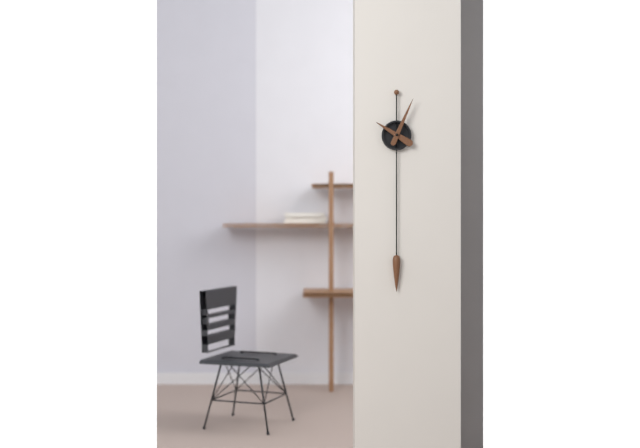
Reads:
{"hour": 10, "minute": 4}
